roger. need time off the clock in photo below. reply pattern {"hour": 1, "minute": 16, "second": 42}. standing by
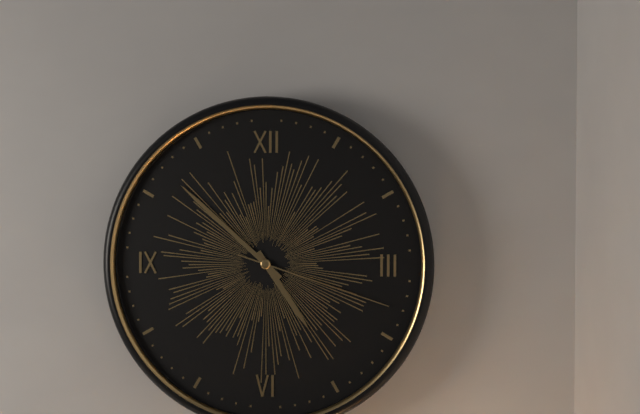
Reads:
{"hour": 4, "minute": 52, "second": 18}
